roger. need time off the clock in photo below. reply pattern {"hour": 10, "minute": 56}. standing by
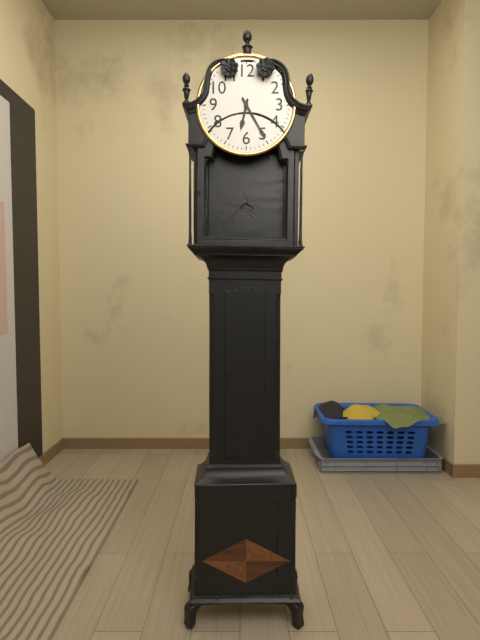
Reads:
{"hour": 6, "minute": 25}
